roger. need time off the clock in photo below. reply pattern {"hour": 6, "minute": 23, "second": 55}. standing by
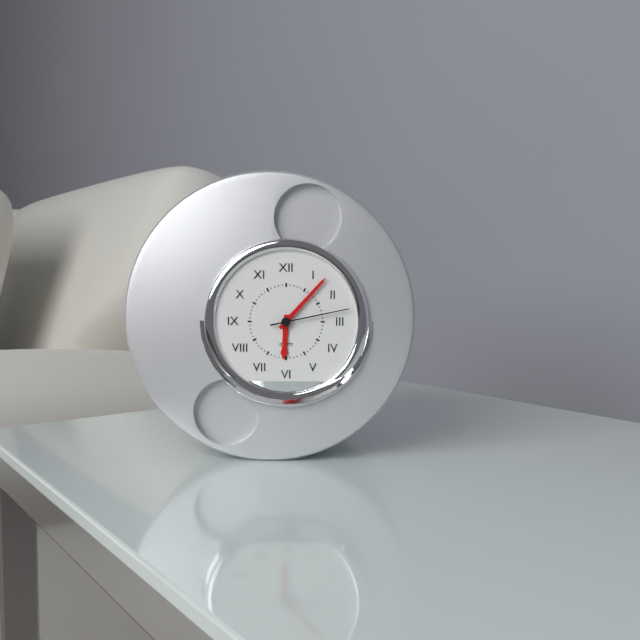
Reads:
{"hour": 6, "minute": 7, "second": 13}
